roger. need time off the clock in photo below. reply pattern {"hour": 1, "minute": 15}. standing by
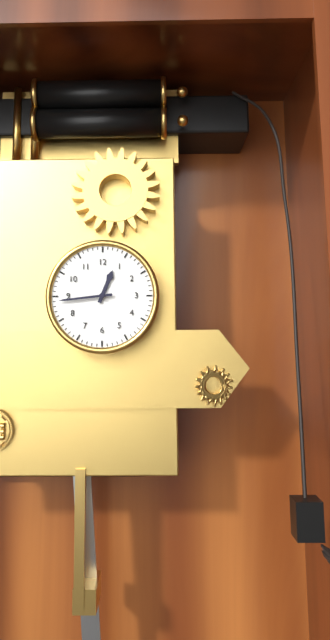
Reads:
{"hour": 12, "minute": 44}
